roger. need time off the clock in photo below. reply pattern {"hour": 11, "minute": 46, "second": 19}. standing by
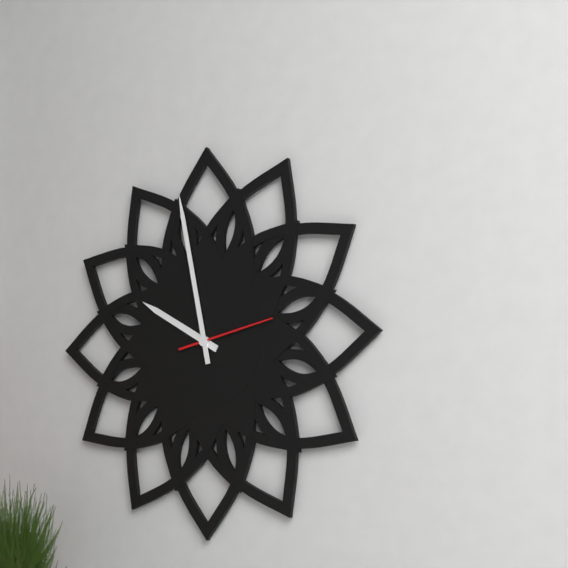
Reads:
{"hour": 9, "minute": 58, "second": 13}
